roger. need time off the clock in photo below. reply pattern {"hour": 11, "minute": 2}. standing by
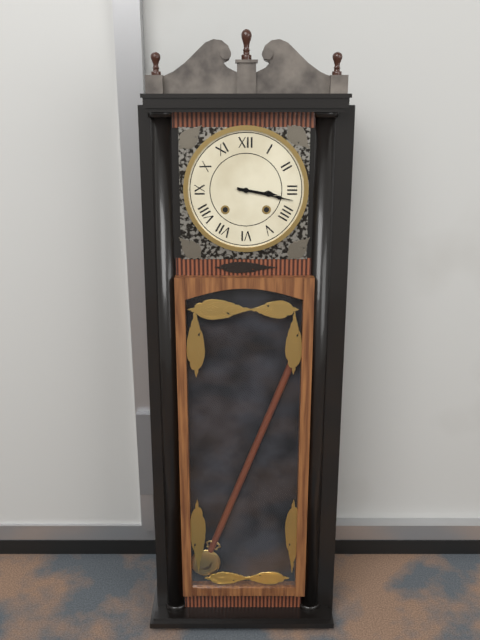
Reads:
{"hour": 3, "minute": 17}
